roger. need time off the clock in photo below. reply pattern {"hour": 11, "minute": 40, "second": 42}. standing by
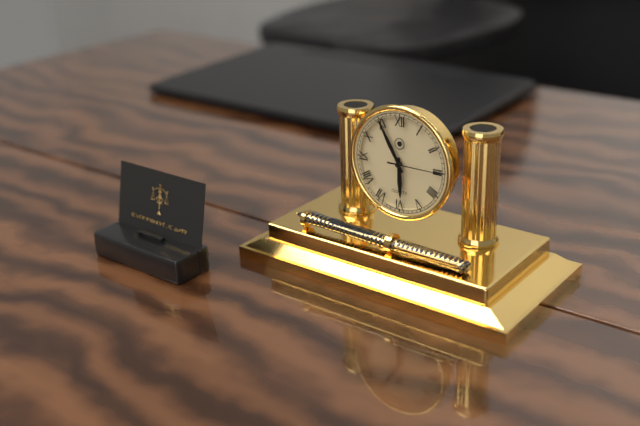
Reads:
{"hour": 5, "minute": 55, "second": 15}
